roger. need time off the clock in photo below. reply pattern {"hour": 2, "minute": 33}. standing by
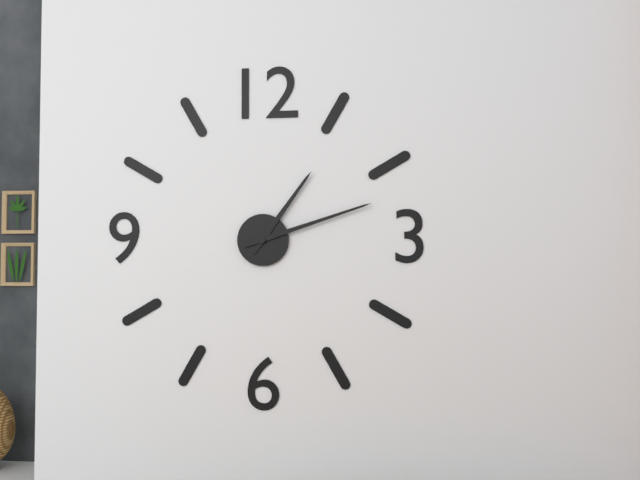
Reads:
{"hour": 1, "minute": 12}
